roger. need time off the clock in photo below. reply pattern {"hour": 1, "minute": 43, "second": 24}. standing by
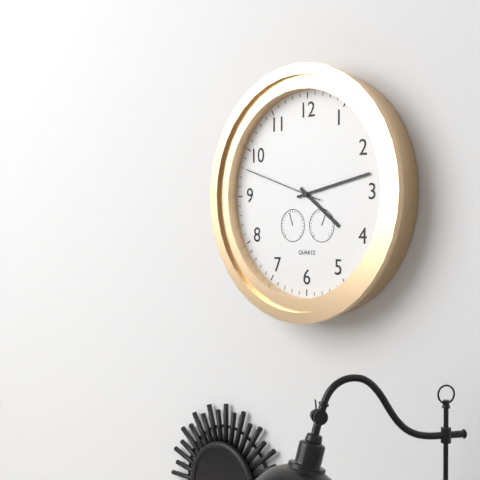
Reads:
{"hour": 4, "minute": 13, "second": 48}
